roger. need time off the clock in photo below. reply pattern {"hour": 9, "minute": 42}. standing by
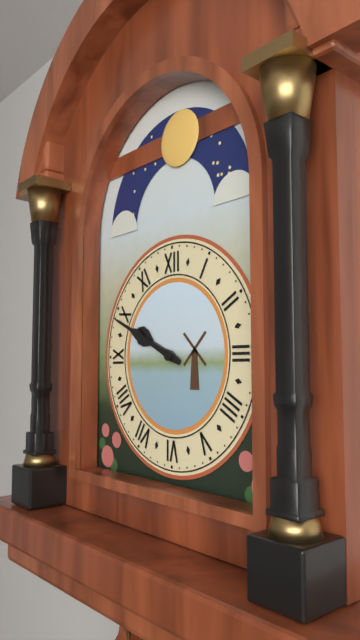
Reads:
{"hour": 9, "minute": 49}
